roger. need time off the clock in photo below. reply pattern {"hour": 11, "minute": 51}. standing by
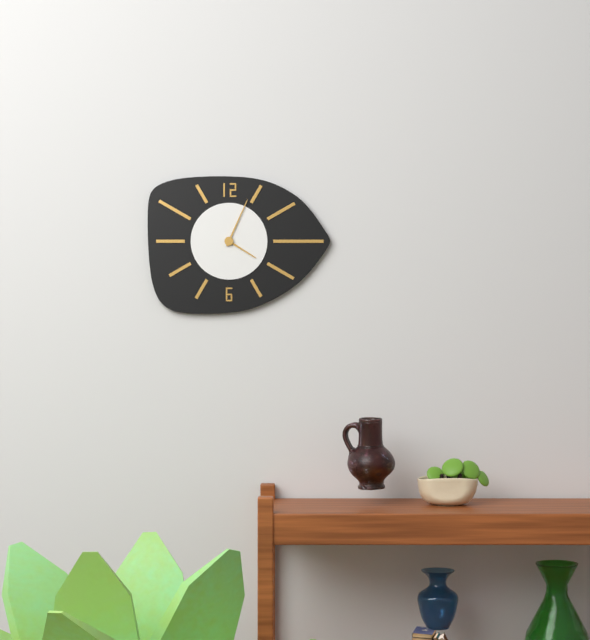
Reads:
{"hour": 4, "minute": 4}
